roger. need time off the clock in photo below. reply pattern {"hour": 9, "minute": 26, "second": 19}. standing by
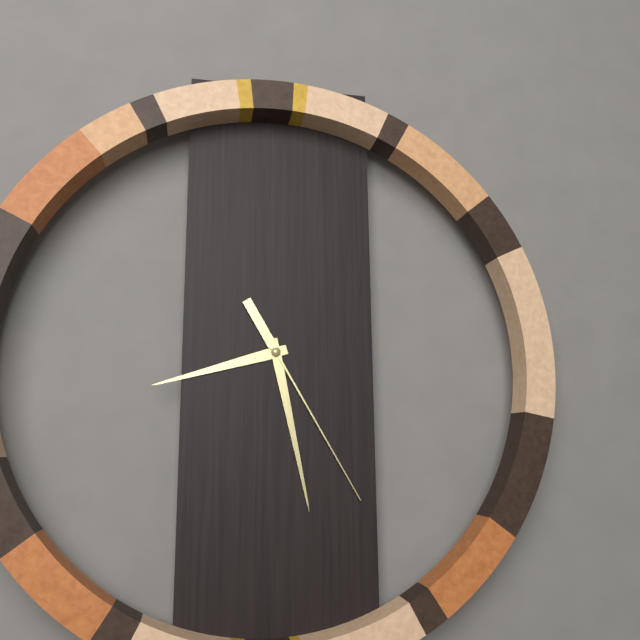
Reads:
{"hour": 8, "minute": 28, "second": 25}
